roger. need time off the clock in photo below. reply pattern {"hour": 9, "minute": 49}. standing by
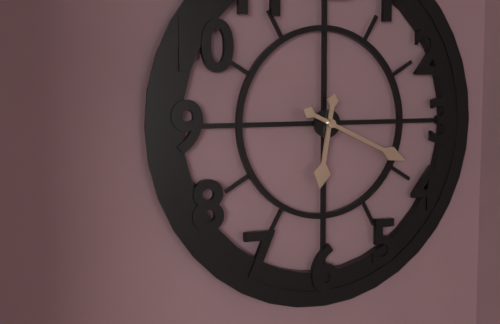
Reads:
{"hour": 6, "minute": 19}
